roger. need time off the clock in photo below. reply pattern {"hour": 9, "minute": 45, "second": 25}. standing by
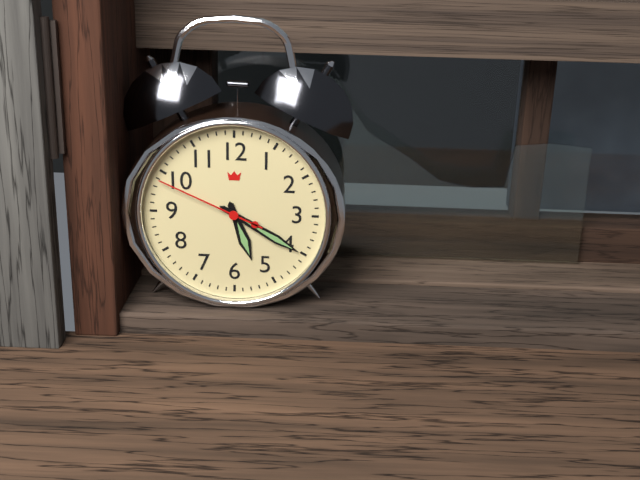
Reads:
{"hour": 5, "minute": 20, "second": 49}
